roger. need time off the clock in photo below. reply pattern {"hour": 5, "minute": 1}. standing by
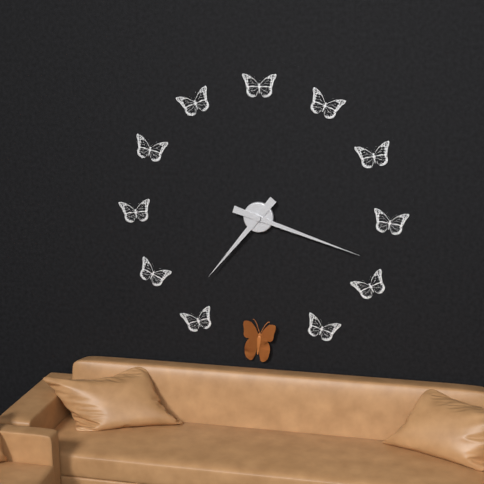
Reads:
{"hour": 7, "minute": 18}
